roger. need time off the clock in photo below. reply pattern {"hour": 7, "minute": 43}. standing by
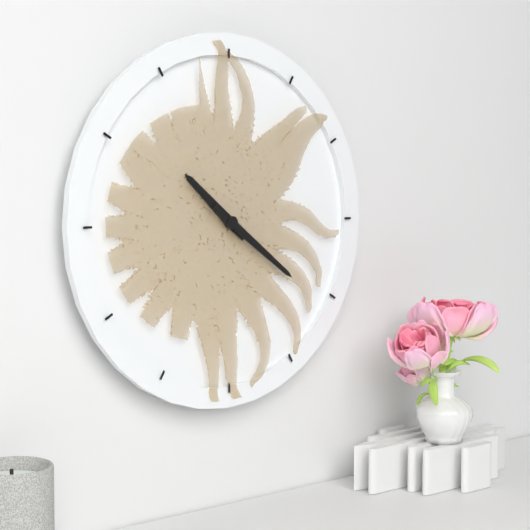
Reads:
{"hour": 10, "minute": 21}
